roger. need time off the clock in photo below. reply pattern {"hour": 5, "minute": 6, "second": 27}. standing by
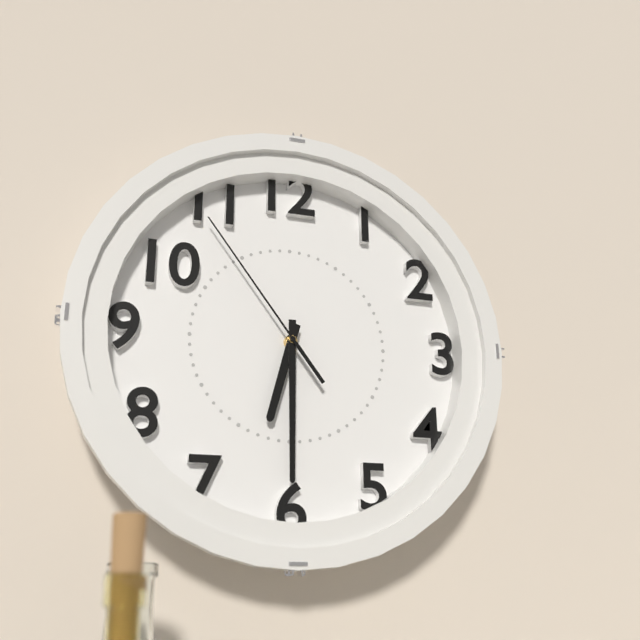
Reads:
{"hour": 6, "minute": 30, "second": 54}
